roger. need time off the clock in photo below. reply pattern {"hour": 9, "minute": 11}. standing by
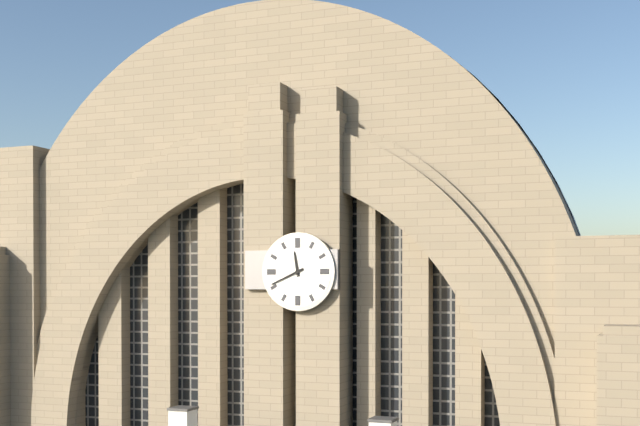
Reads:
{"hour": 11, "minute": 41}
